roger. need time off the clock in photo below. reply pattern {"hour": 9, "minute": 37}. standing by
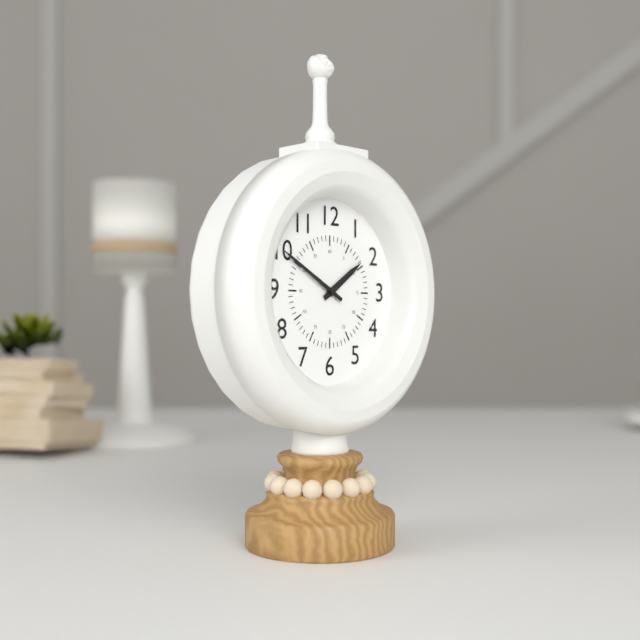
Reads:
{"hour": 1, "minute": 50}
